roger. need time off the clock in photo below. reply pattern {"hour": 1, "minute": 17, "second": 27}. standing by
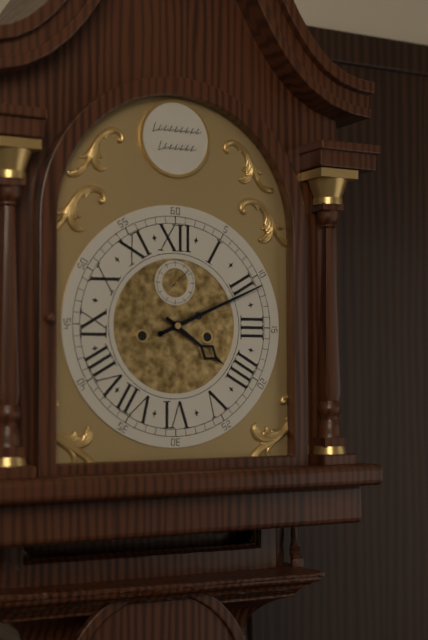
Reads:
{"hour": 4, "minute": 11, "second": 8}
